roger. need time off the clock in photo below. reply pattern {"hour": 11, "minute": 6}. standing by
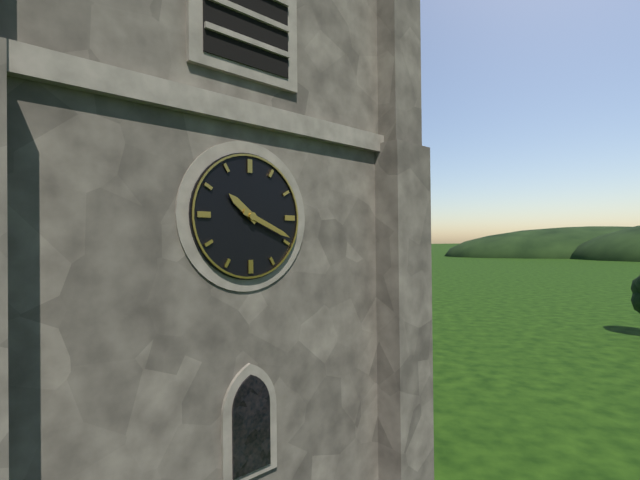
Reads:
{"hour": 10, "minute": 19}
